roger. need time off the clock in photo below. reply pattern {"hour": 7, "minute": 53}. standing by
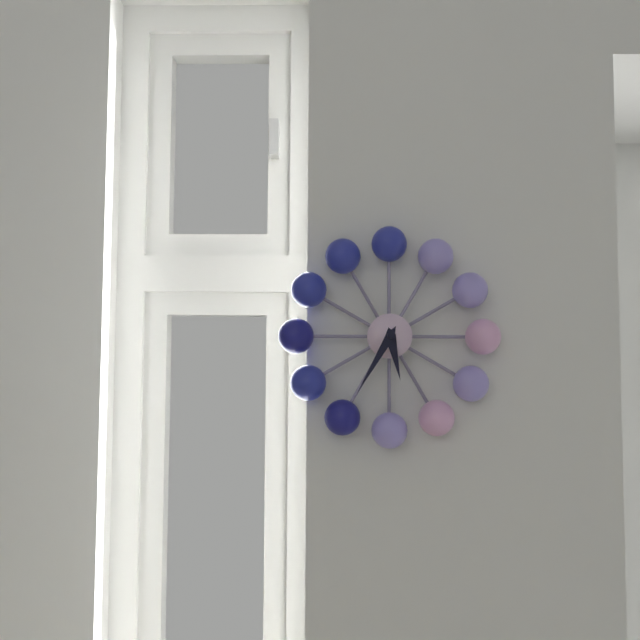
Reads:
{"hour": 5, "minute": 35}
